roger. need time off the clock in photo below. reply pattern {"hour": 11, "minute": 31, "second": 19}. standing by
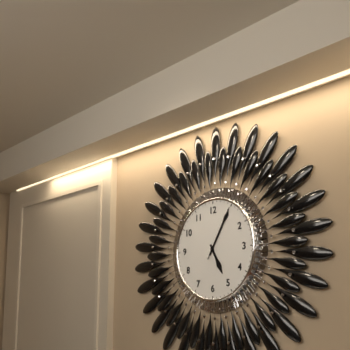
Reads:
{"hour": 5, "minute": 5, "second": 5}
